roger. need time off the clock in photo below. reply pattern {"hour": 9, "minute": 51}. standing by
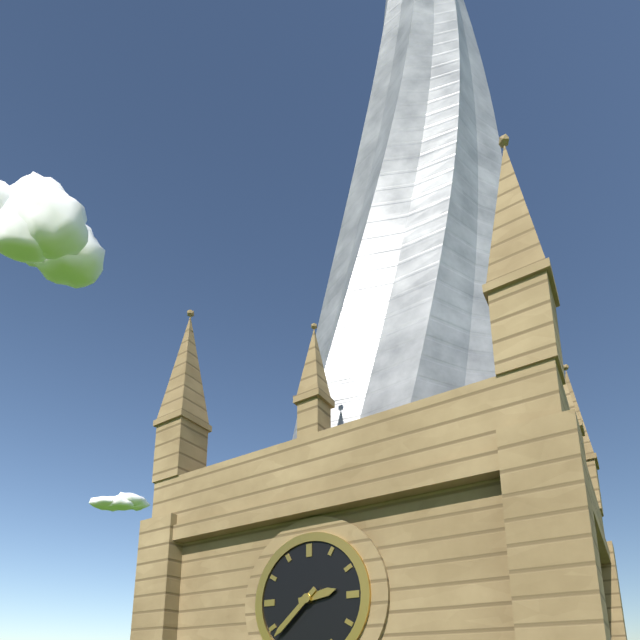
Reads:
{"hour": 2, "minute": 38}
